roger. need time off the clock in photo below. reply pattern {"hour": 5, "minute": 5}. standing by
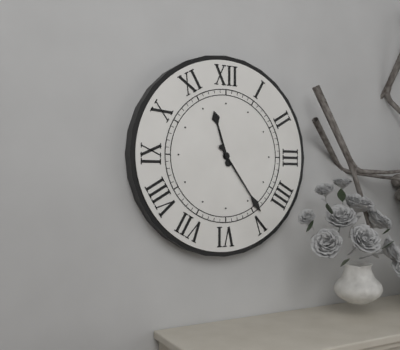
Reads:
{"hour": 11, "minute": 24}
